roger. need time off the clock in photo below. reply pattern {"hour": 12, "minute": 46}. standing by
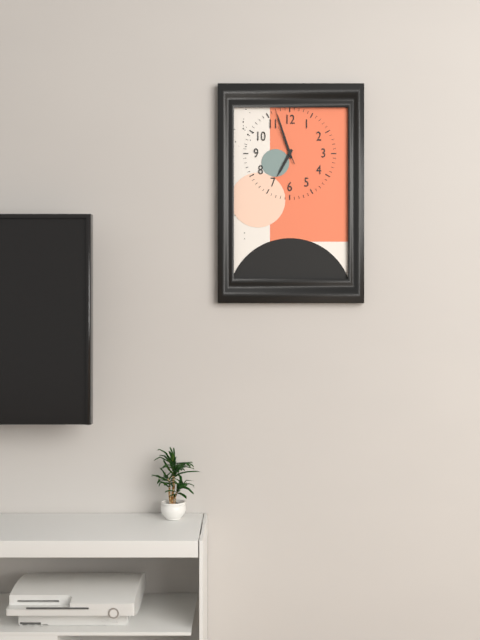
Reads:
{"hour": 6, "minute": 57}
